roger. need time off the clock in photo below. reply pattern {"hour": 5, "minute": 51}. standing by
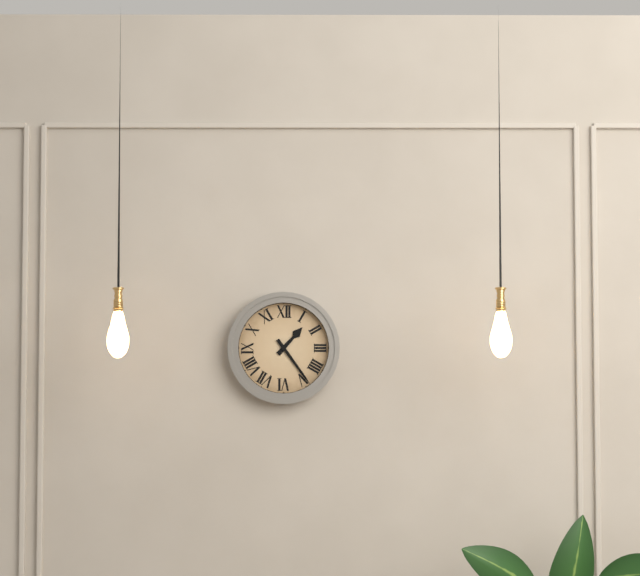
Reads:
{"hour": 1, "minute": 24}
